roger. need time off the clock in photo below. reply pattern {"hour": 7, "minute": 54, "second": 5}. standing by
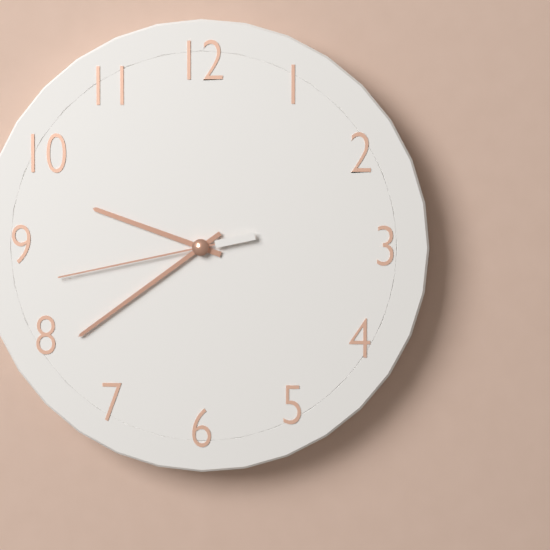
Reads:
{"hour": 9, "minute": 39, "second": 43}
